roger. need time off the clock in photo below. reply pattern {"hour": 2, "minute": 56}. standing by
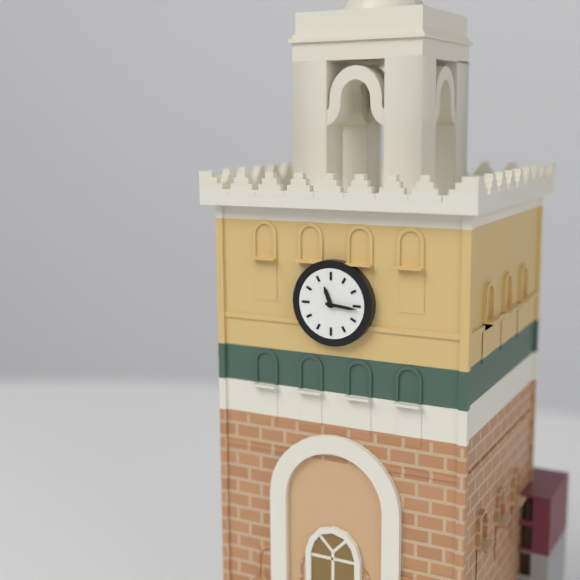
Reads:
{"hour": 11, "minute": 16}
